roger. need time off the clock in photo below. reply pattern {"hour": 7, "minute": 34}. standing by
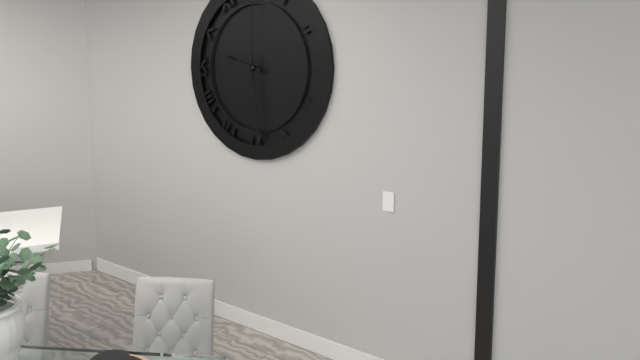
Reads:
{"hour": 9, "minute": 29}
